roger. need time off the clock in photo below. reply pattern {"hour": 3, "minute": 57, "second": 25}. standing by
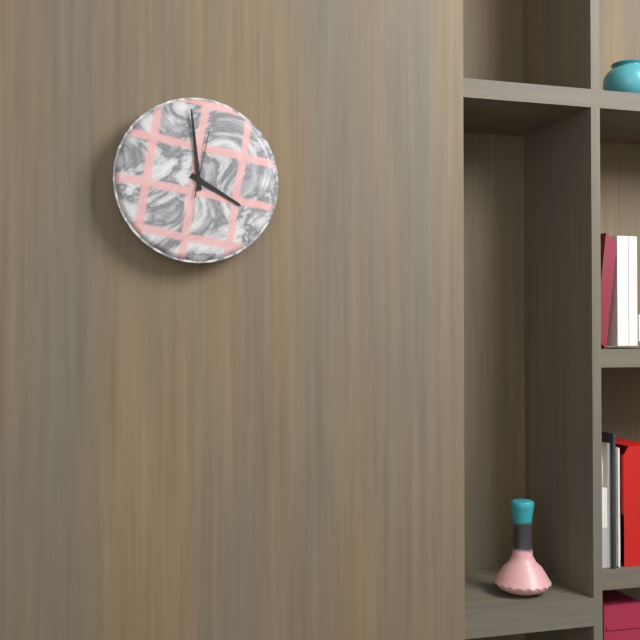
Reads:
{"hour": 3, "minute": 59, "second": 2}
